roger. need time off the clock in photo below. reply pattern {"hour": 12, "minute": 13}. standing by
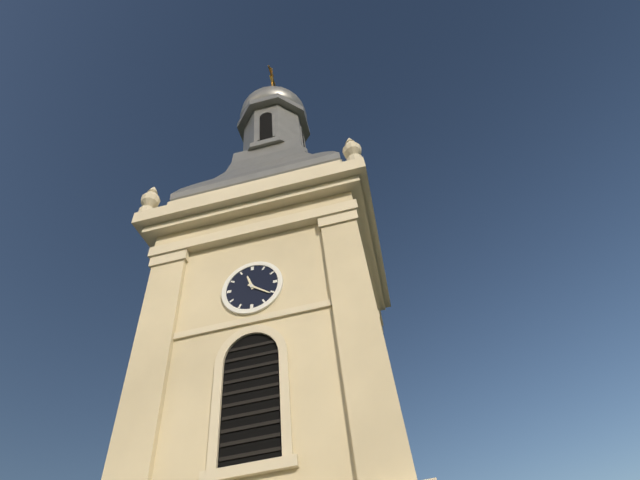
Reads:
{"hour": 11, "minute": 21}
